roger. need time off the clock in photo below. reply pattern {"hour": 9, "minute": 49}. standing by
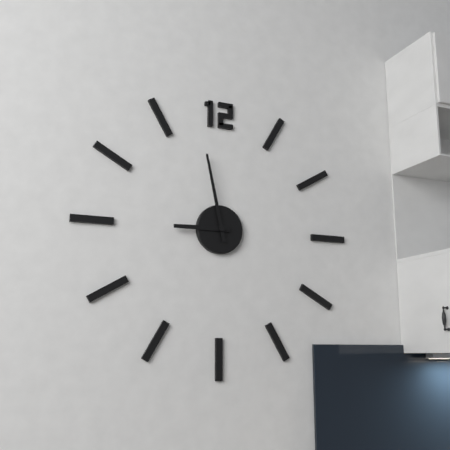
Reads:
{"hour": 8, "minute": 58}
